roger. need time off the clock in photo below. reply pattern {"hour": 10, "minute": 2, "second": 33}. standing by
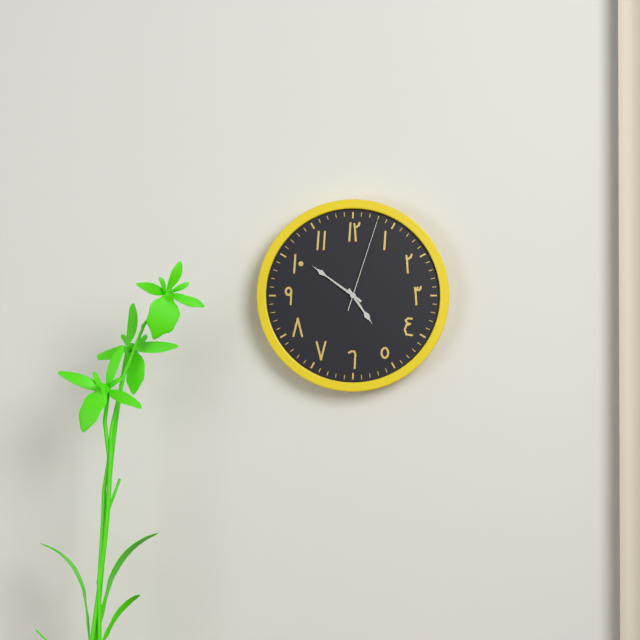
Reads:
{"hour": 4, "minute": 51, "second": 3}
